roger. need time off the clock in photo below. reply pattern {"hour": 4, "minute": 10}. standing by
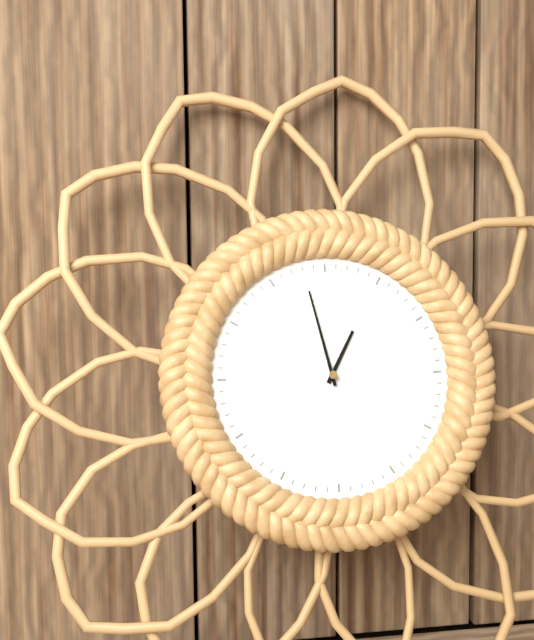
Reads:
{"hour": 12, "minute": 58}
